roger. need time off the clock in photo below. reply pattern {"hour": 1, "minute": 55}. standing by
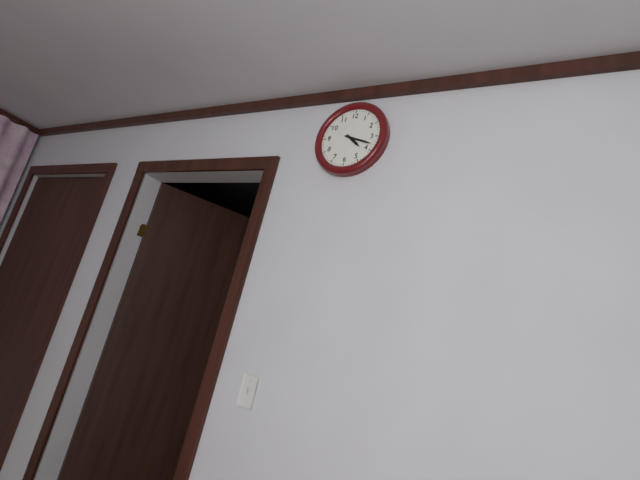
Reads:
{"hour": 4, "minute": 18}
